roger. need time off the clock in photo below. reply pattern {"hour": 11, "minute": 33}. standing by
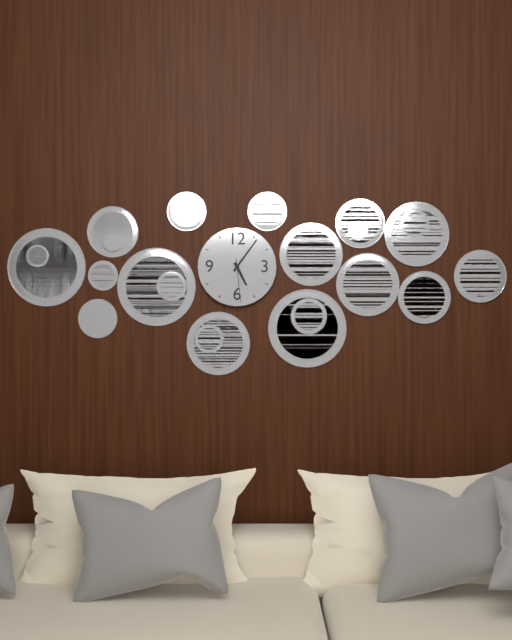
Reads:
{"hour": 5, "minute": 6}
